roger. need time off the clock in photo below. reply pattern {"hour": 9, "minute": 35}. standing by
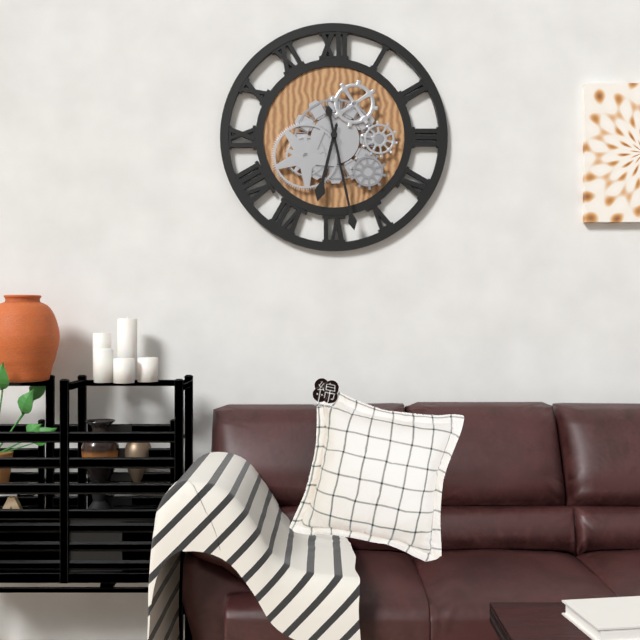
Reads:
{"hour": 6, "minute": 28}
